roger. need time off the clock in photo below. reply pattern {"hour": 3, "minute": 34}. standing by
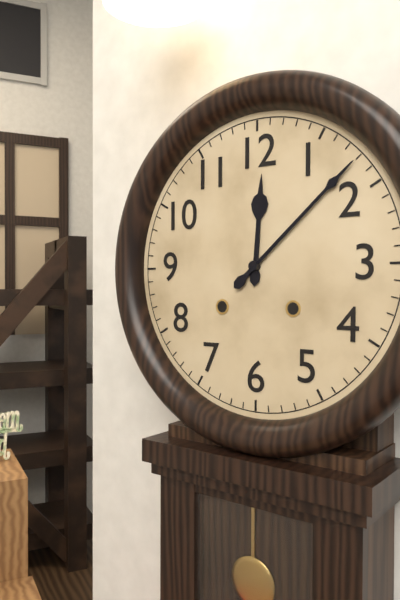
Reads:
{"hour": 12, "minute": 8}
